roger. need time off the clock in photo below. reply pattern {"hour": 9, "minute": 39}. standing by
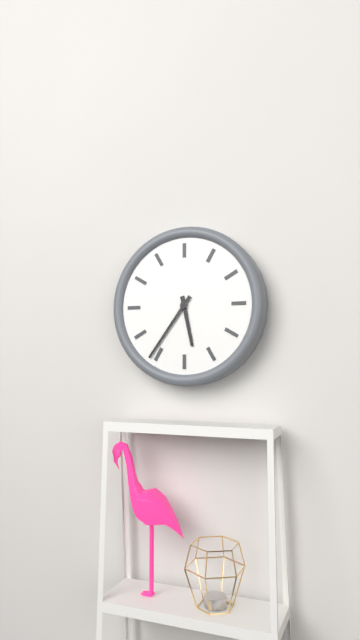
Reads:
{"hour": 5, "minute": 36}
